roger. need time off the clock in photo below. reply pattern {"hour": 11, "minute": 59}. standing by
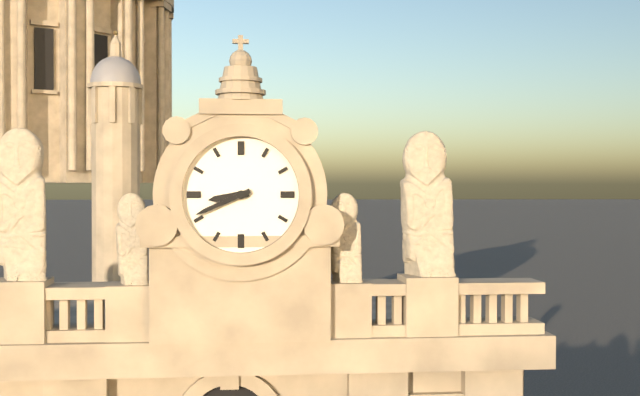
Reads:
{"hour": 8, "minute": 41}
